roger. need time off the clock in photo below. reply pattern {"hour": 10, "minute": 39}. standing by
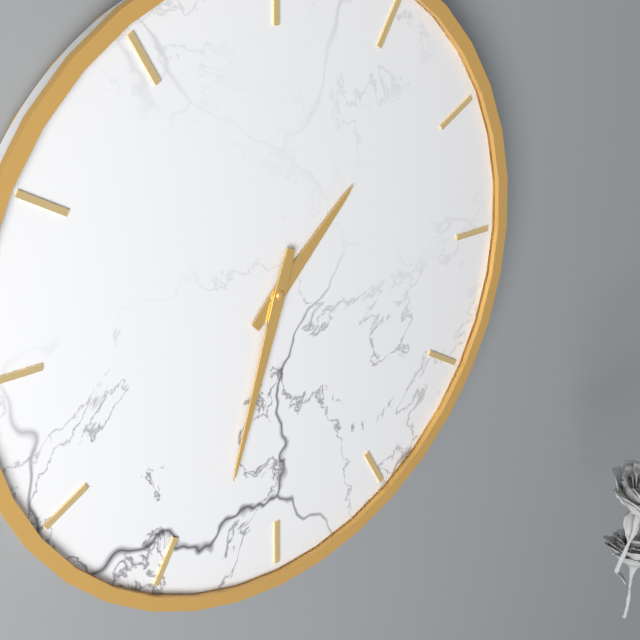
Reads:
{"hour": 1, "minute": 33}
